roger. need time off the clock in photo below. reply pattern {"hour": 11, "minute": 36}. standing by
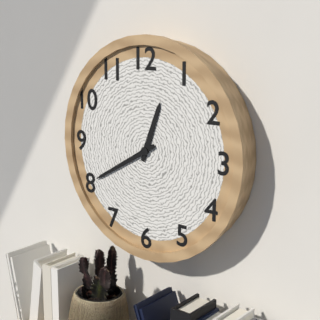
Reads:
{"hour": 12, "minute": 40}
